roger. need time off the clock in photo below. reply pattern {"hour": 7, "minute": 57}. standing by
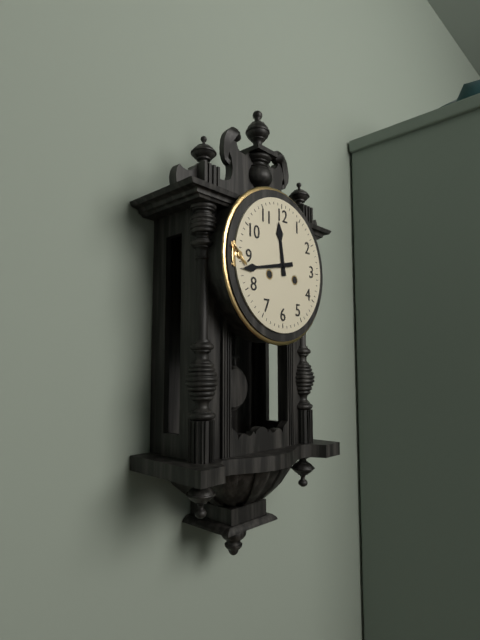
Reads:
{"hour": 11, "minute": 43}
